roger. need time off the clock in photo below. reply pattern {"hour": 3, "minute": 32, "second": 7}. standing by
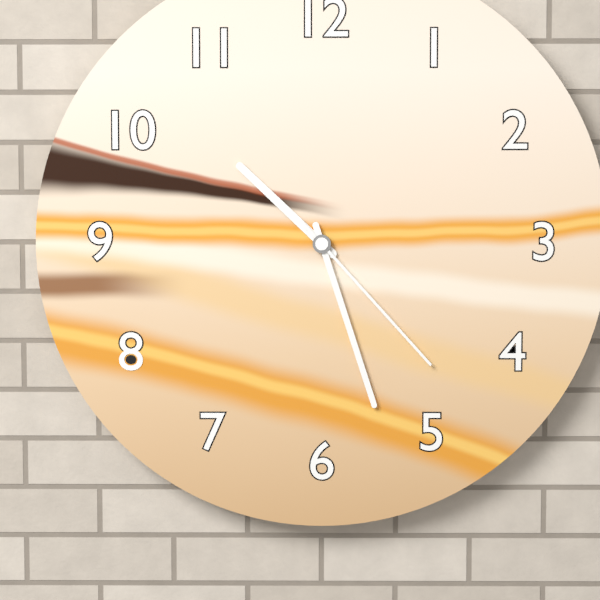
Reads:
{"hour": 10, "minute": 27, "second": 23}
